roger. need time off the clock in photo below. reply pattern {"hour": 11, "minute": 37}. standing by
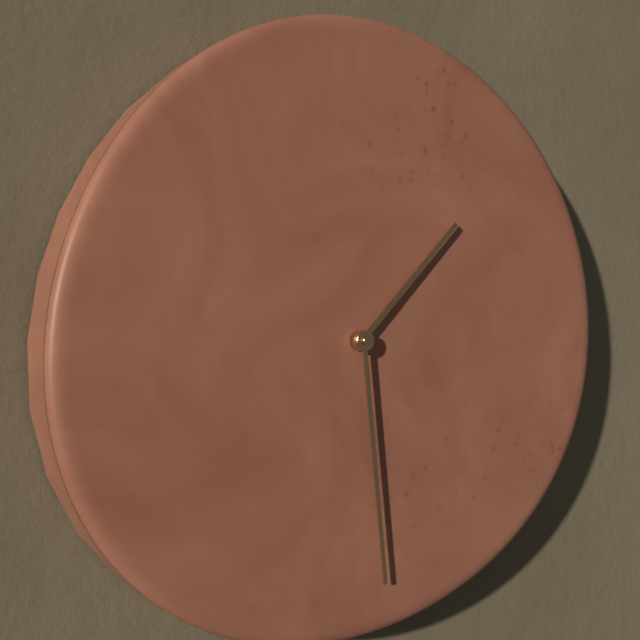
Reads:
{"hour": 1, "minute": 29}
